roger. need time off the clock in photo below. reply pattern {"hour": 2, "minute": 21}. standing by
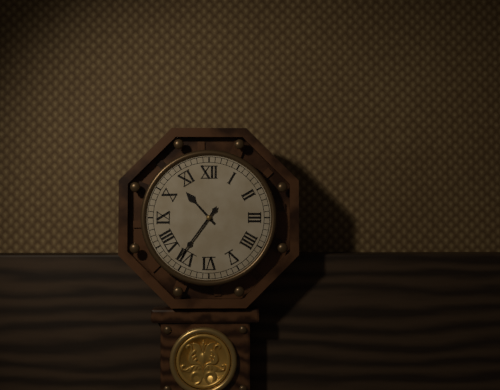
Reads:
{"hour": 10, "minute": 36}
